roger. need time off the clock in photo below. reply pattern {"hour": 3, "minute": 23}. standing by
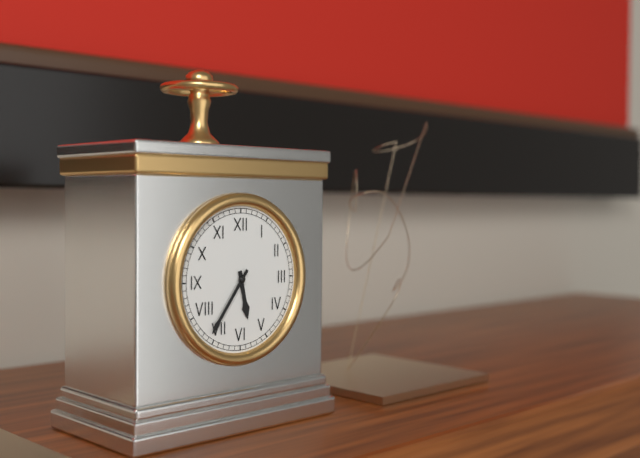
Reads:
{"hour": 5, "minute": 36}
